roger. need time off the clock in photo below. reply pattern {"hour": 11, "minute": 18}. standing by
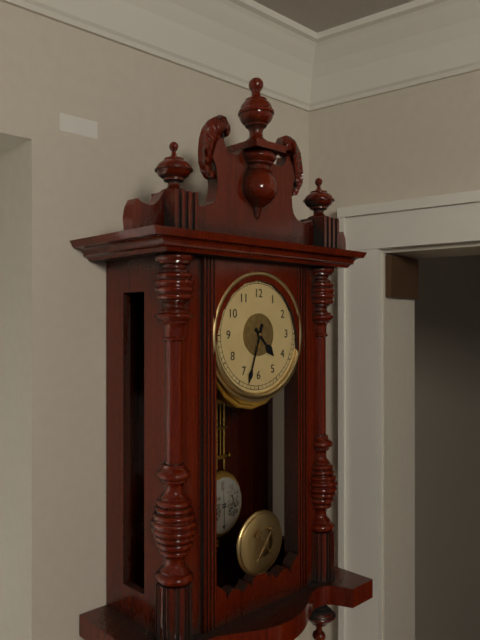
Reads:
{"hour": 4, "minute": 33}
